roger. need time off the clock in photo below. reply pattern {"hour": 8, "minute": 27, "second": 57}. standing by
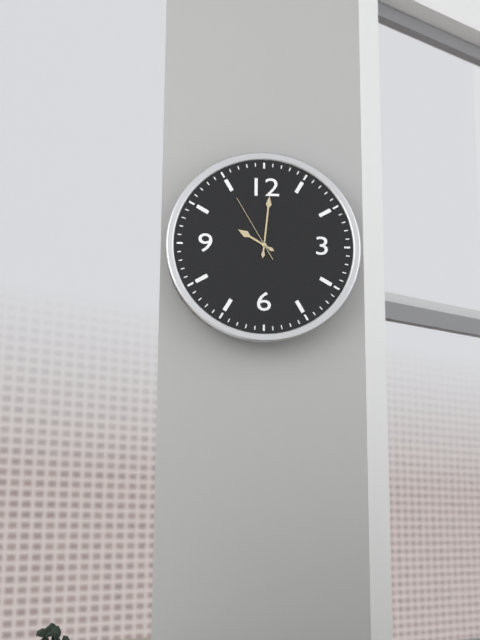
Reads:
{"hour": 10, "minute": 1, "second": 55}
